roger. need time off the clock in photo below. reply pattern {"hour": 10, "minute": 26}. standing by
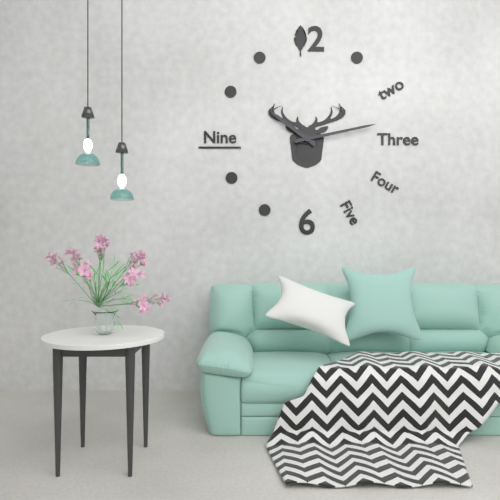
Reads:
{"hour": 10, "minute": 13}
